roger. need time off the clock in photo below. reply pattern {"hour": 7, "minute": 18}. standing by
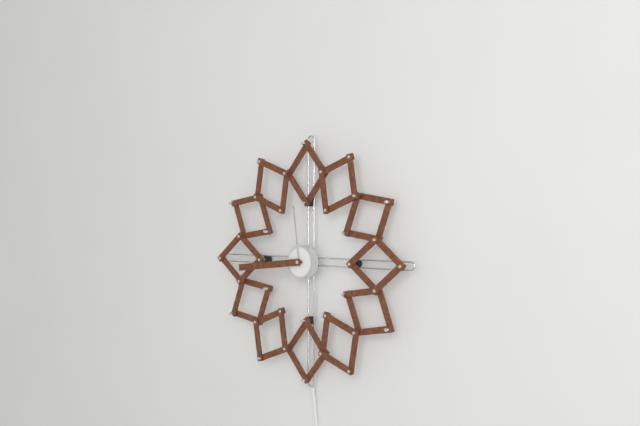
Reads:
{"hour": 11, "minute": 44}
